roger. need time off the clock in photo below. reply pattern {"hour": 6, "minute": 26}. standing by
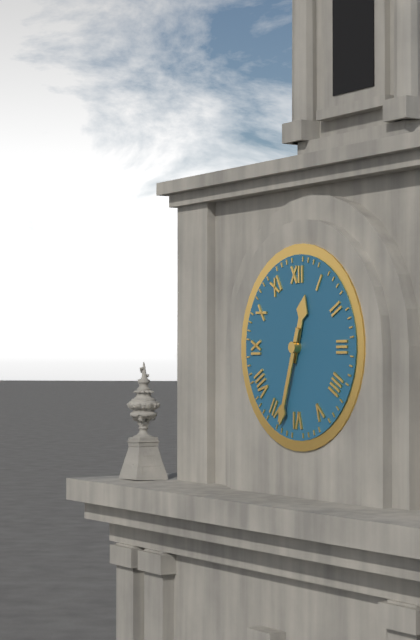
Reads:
{"hour": 12, "minute": 33}
